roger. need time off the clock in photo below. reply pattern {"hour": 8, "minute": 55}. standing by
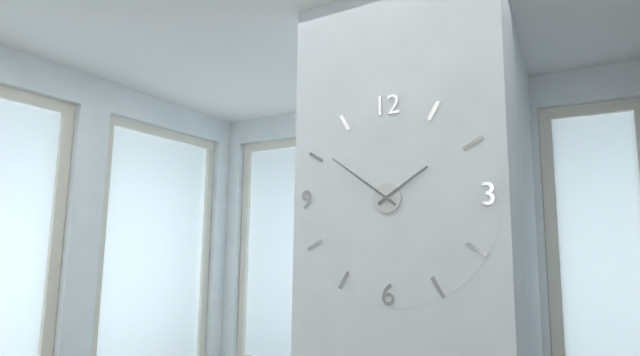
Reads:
{"hour": 1, "minute": 51}
